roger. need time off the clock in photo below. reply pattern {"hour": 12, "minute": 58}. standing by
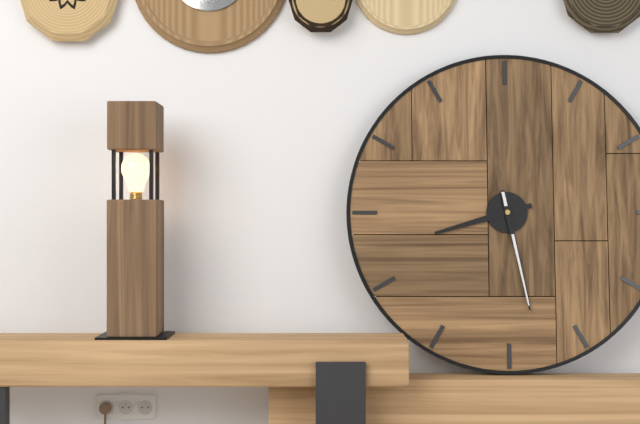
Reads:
{"hour": 8, "minute": 28}
